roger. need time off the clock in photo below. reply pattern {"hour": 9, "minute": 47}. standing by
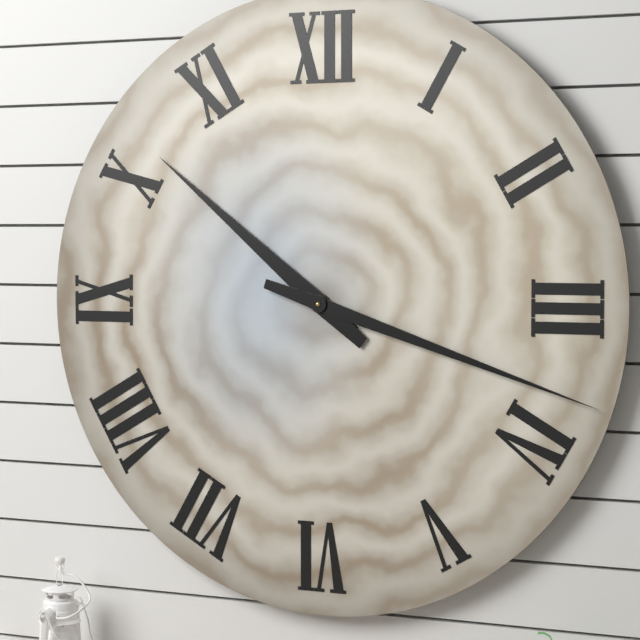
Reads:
{"hour": 10, "minute": 18}
